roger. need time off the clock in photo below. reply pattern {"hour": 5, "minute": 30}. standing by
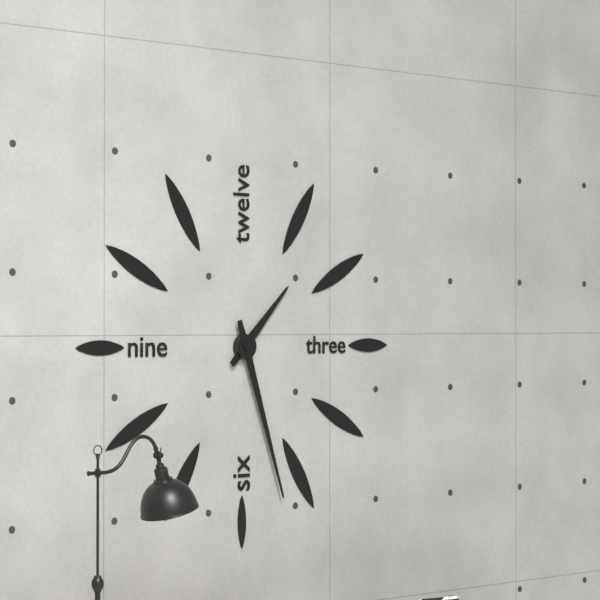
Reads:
{"hour": 1, "minute": 27}
